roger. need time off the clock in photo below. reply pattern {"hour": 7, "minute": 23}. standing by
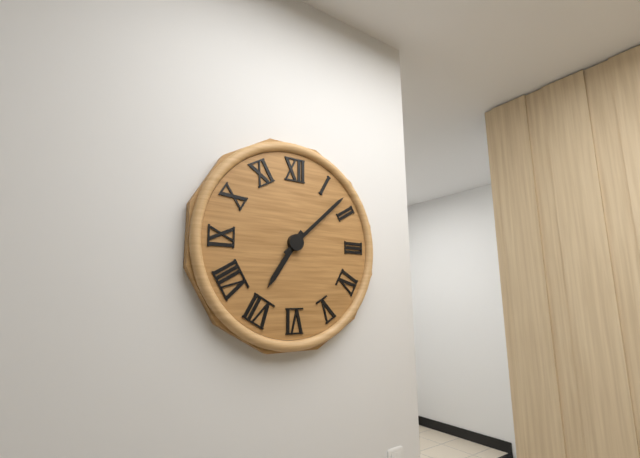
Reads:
{"hour": 7, "minute": 8}
